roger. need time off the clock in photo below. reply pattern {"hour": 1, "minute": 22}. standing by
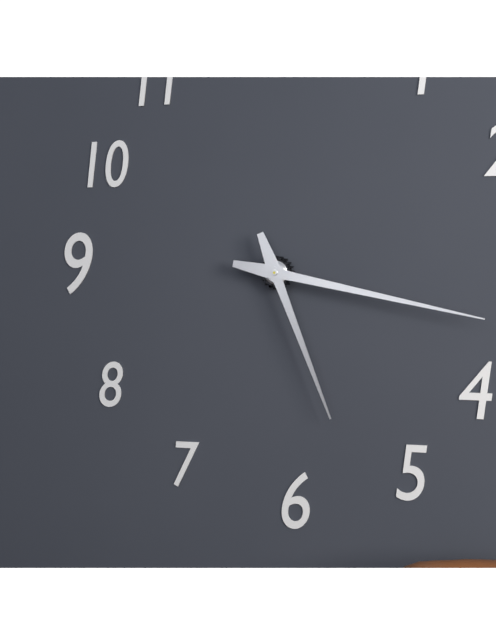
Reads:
{"hour": 5, "minute": 17}
